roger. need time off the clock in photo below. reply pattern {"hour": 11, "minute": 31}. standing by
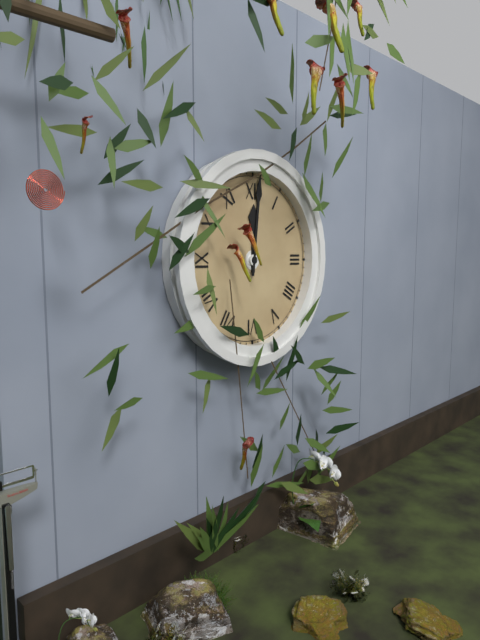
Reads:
{"hour": 12, "minute": 1}
